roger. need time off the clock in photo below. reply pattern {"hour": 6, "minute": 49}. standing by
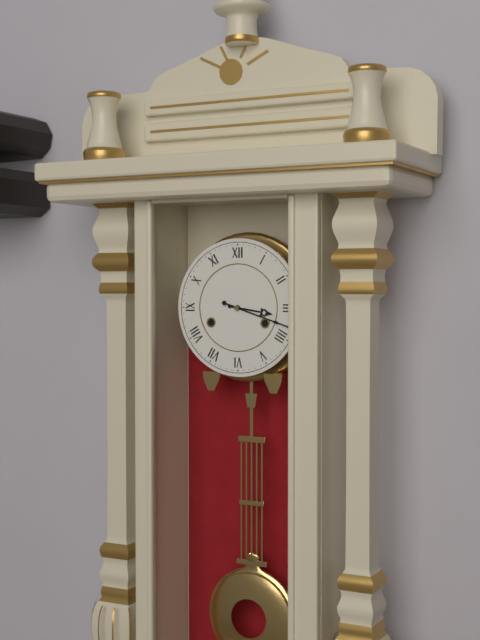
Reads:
{"hour": 3, "minute": 18}
